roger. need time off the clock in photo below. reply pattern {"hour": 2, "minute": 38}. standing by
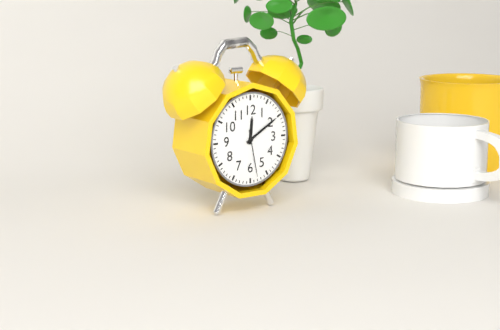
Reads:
{"hour": 12, "minute": 10}
